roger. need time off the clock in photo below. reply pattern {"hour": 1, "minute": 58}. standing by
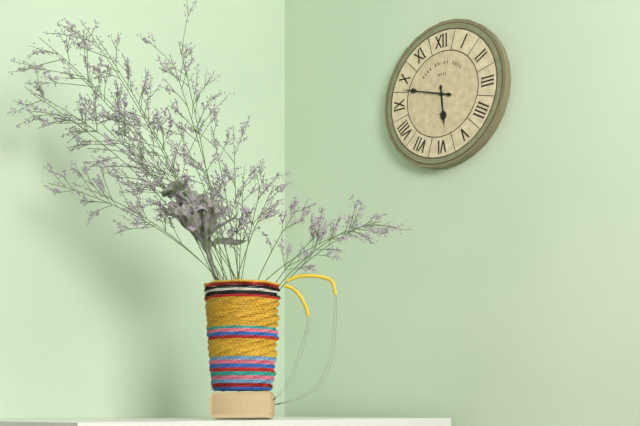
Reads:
{"hour": 5, "minute": 48}
